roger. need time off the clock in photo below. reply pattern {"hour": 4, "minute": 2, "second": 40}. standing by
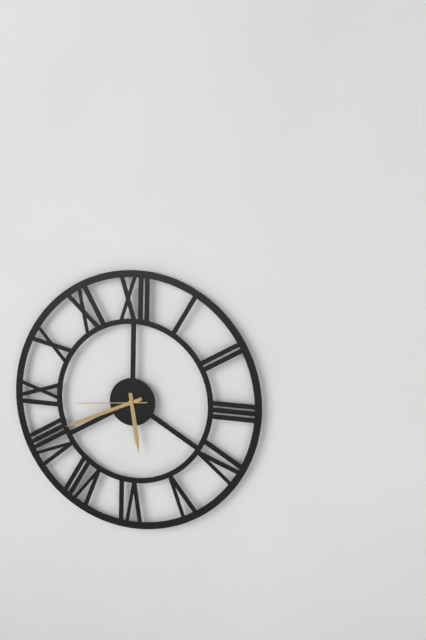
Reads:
{"hour": 5, "minute": 41, "second": 44}
